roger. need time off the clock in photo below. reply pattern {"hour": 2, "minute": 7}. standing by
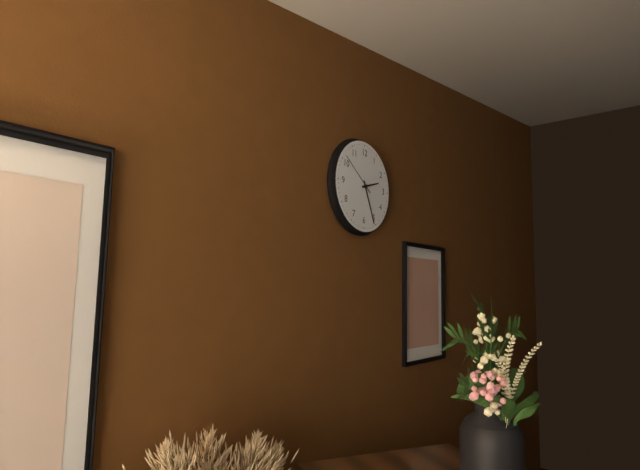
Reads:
{"hour": 2, "minute": 26}
